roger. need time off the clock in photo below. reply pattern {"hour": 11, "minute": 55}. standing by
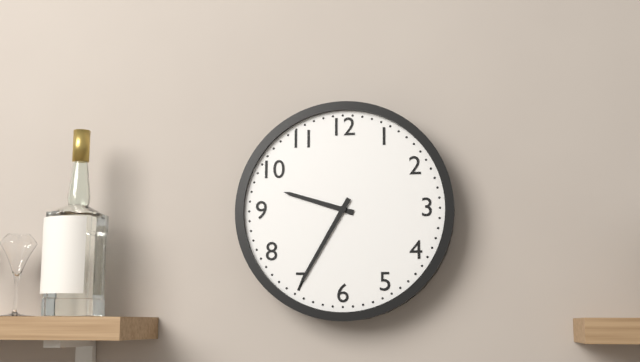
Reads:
{"hour": 9, "minute": 35}
